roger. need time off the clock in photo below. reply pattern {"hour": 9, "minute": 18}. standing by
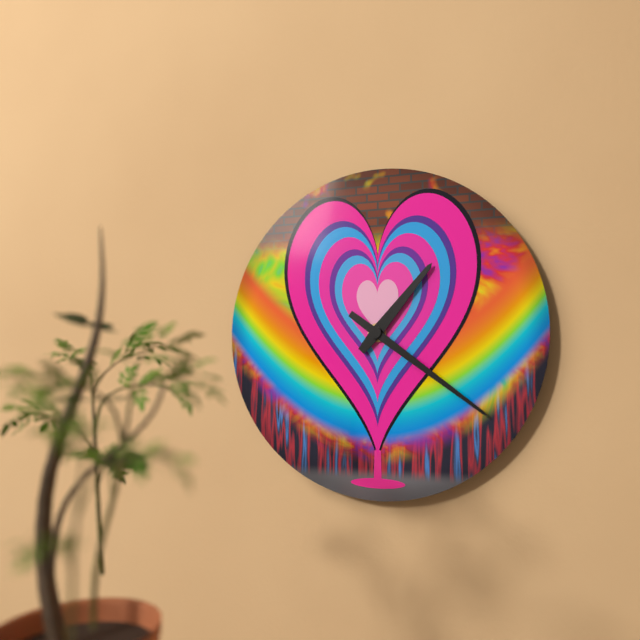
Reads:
{"hour": 1, "minute": 21}
